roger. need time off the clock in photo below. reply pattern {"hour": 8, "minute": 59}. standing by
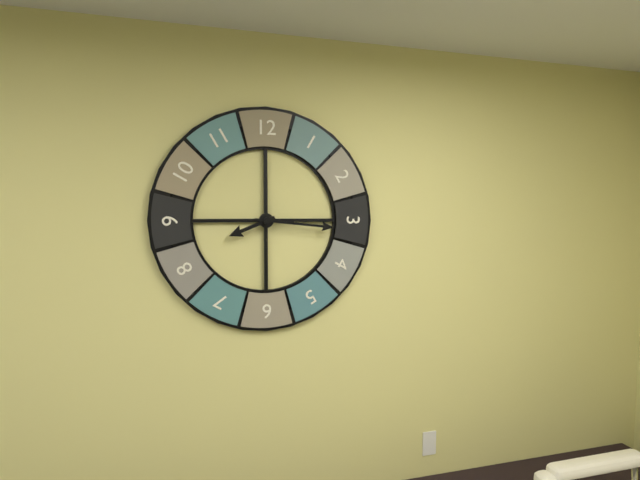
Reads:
{"hour": 8, "minute": 16}
